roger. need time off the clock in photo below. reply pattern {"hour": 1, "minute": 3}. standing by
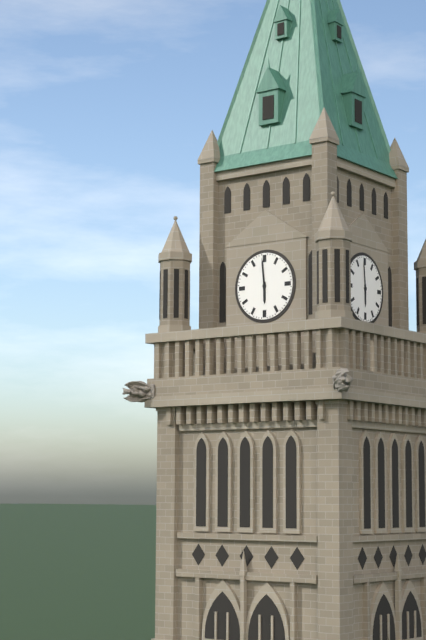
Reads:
{"hour": 5, "minute": 59}
